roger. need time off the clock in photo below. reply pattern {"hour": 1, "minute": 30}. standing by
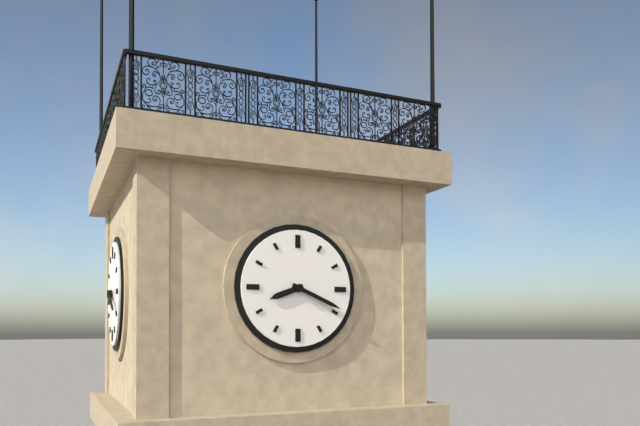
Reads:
{"hour": 8, "minute": 19}
